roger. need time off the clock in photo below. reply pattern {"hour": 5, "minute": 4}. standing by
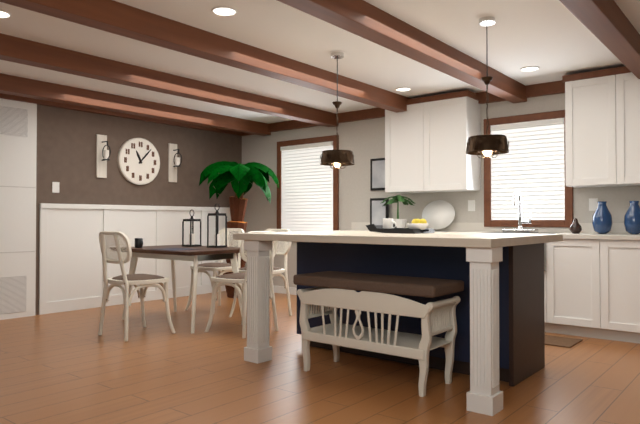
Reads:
{"hour": 11, "minute": 7}
